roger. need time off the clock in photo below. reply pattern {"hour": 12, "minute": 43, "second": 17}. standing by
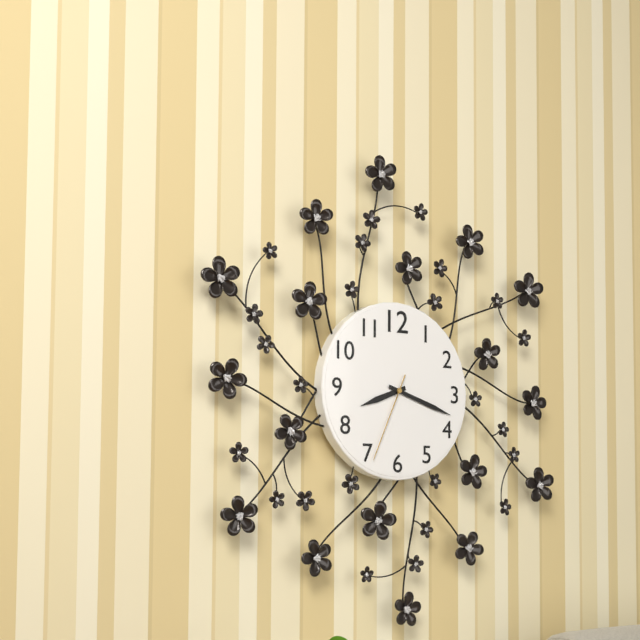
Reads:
{"hour": 8, "minute": 18, "second": 34}
